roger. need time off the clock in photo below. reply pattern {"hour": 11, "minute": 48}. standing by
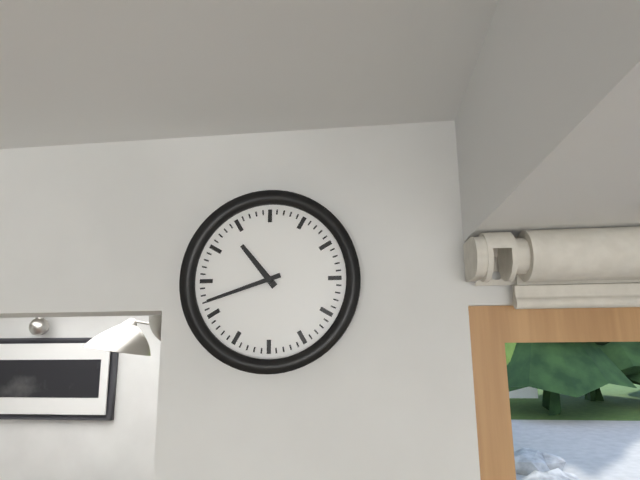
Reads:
{"hour": 10, "minute": 42}
